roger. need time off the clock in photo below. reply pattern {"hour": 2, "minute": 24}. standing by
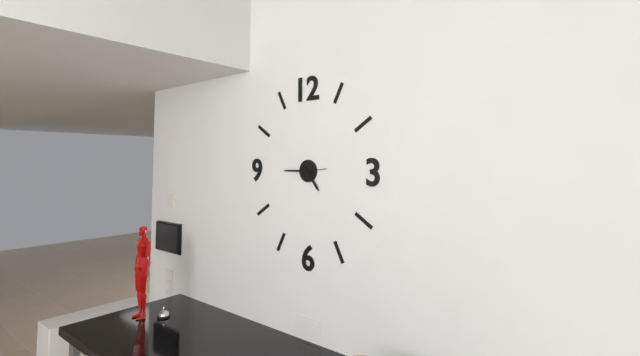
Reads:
{"hour": 4, "minute": 45}
